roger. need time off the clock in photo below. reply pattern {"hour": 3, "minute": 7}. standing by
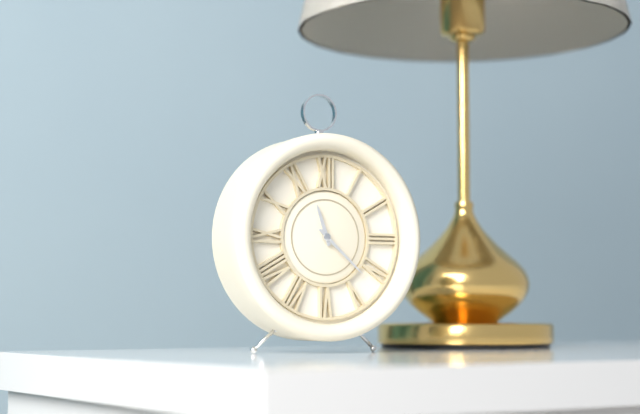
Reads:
{"hour": 11, "minute": 22}
